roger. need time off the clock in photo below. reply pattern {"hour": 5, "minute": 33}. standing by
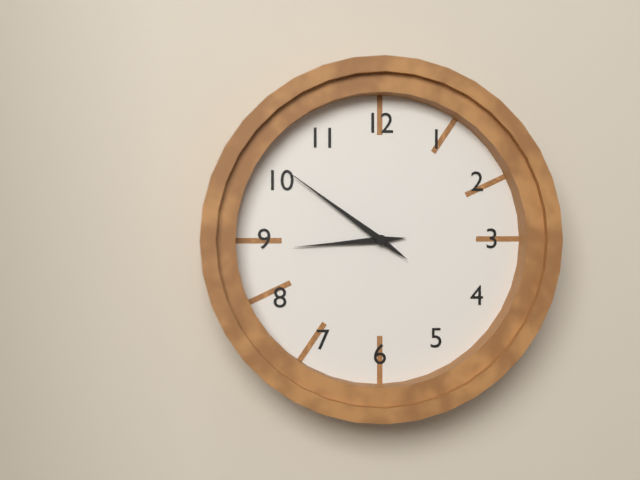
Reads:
{"hour": 8, "minute": 51}
